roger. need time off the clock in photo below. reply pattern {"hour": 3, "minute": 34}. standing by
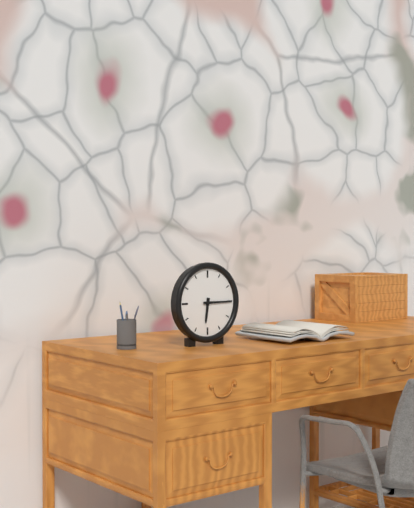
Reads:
{"hour": 6, "minute": 15}
